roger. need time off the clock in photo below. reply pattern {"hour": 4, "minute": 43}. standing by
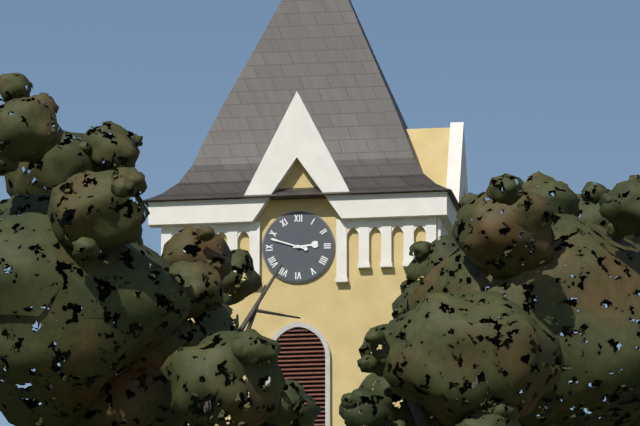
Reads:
{"hour": 2, "minute": 48}
